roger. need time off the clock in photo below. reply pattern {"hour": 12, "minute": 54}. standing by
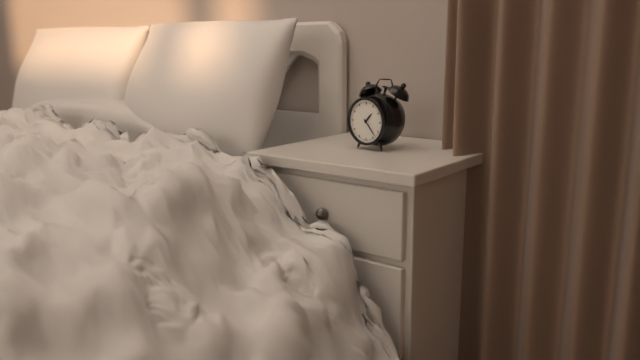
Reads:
{"hour": 1, "minute": 23}
